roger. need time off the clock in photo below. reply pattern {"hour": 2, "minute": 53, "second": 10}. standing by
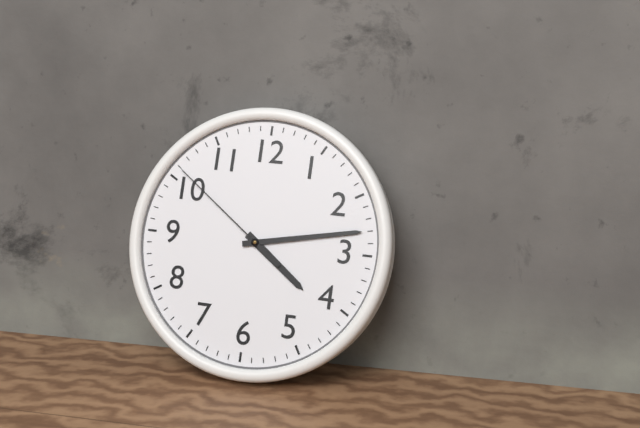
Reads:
{"hour": 4, "minute": 13, "second": 51}
